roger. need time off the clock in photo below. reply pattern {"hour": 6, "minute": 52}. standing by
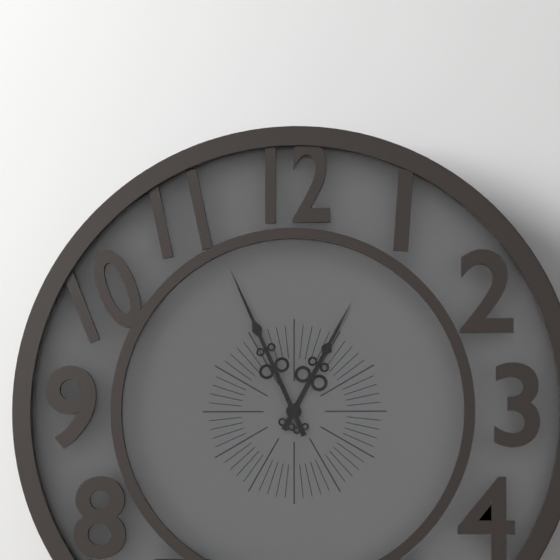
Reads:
{"hour": 12, "minute": 56}
